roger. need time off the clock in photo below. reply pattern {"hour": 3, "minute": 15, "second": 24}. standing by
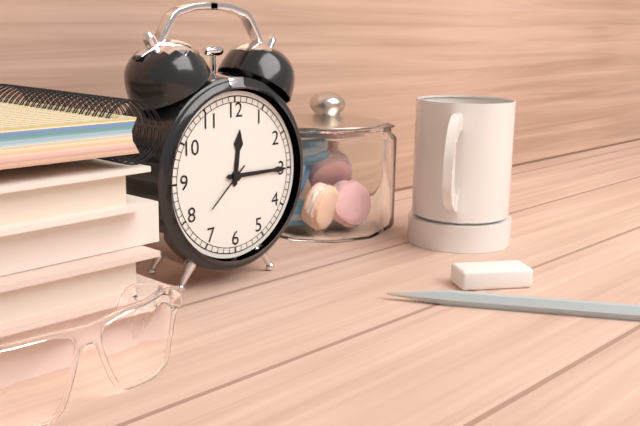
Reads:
{"hour": 12, "minute": 15, "second": 38}
